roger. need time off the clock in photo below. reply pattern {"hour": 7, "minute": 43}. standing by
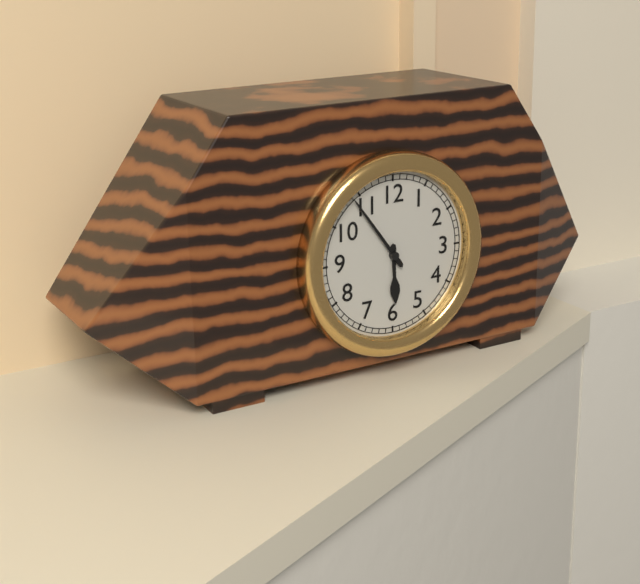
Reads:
{"hour": 5, "minute": 54}
